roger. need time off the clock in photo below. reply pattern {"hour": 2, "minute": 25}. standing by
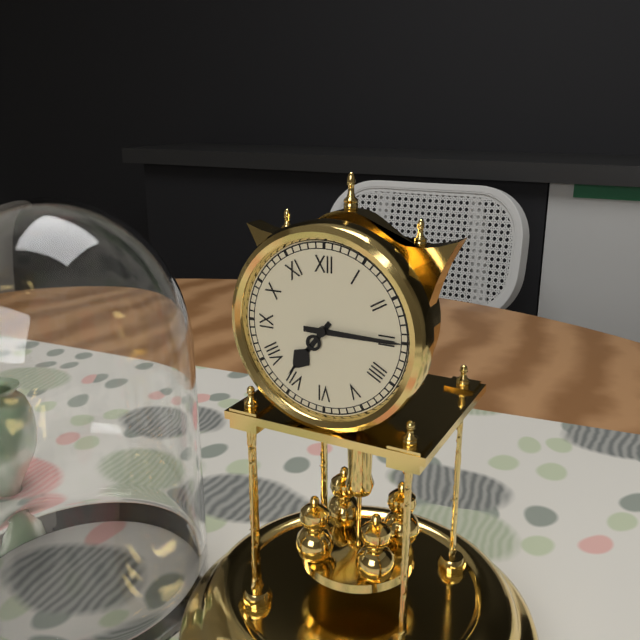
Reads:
{"hour": 7, "minute": 15}
